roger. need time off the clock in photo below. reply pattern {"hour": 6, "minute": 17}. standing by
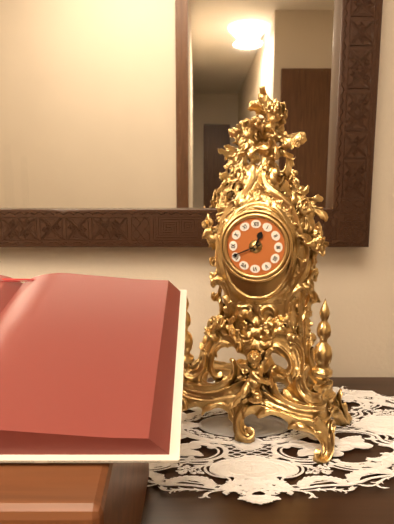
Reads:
{"hour": 12, "minute": 41}
